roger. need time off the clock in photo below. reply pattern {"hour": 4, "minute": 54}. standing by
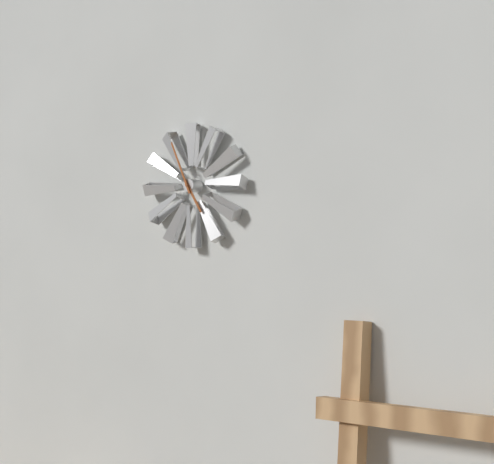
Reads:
{"hour": 4, "minute": 56}
